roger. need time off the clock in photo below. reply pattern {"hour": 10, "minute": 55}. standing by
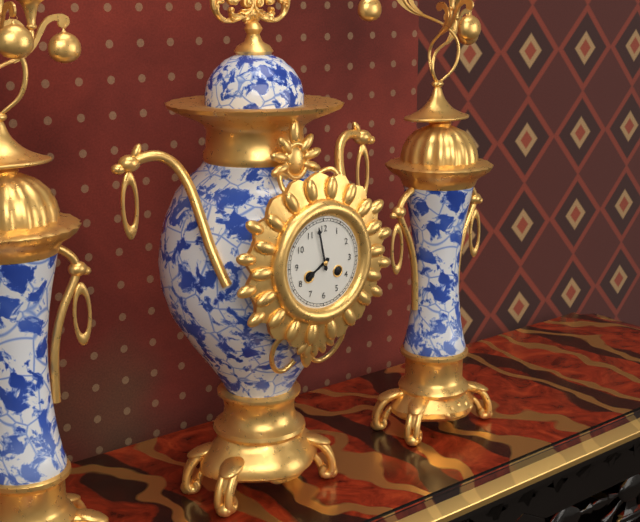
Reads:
{"hour": 7, "minute": 58}
